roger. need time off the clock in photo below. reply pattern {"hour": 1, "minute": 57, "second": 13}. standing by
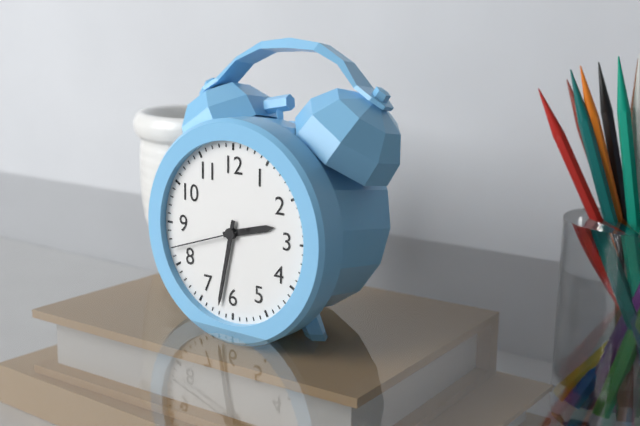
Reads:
{"hour": 2, "minute": 32, "second": 42}
